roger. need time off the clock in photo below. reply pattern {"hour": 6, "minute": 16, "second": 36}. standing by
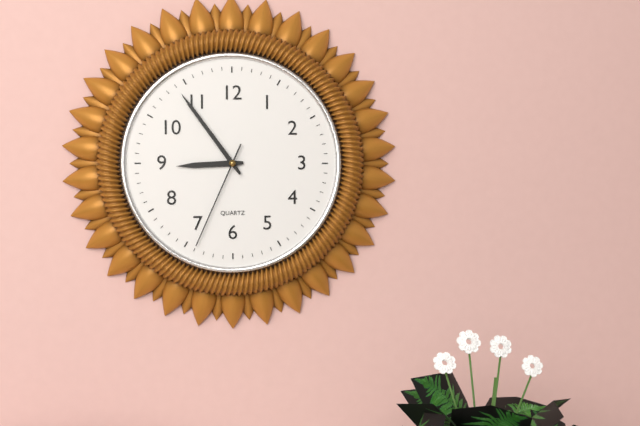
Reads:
{"hour": 8, "minute": 54, "second": 34}
